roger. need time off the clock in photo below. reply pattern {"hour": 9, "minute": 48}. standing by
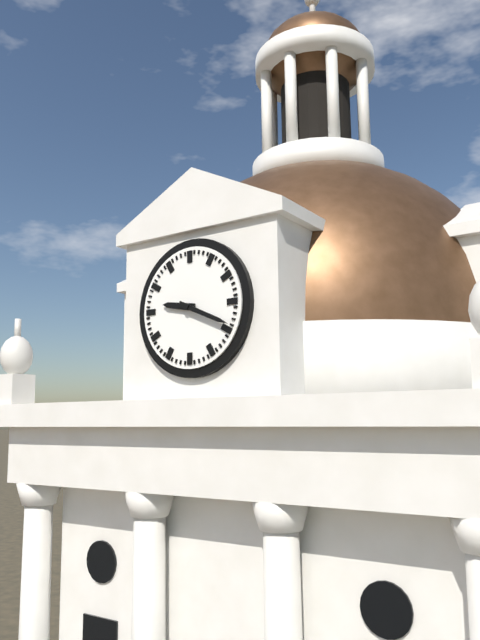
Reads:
{"hour": 9, "minute": 19}
